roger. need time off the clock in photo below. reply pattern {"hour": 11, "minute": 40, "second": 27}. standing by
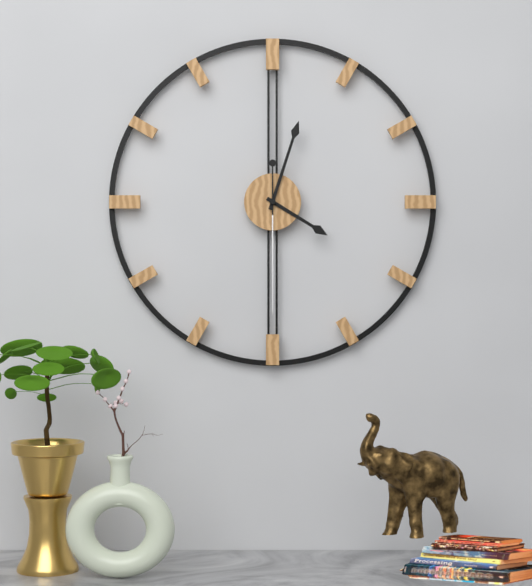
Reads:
{"hour": 4, "minute": 3, "second": 30}
